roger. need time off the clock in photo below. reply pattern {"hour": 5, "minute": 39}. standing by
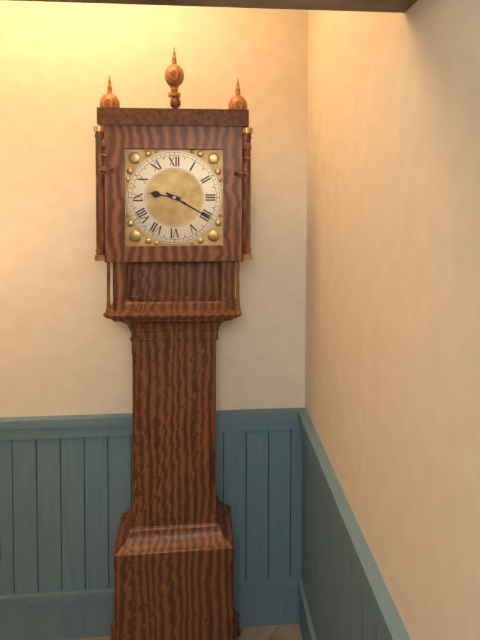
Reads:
{"hour": 9, "minute": 20}
